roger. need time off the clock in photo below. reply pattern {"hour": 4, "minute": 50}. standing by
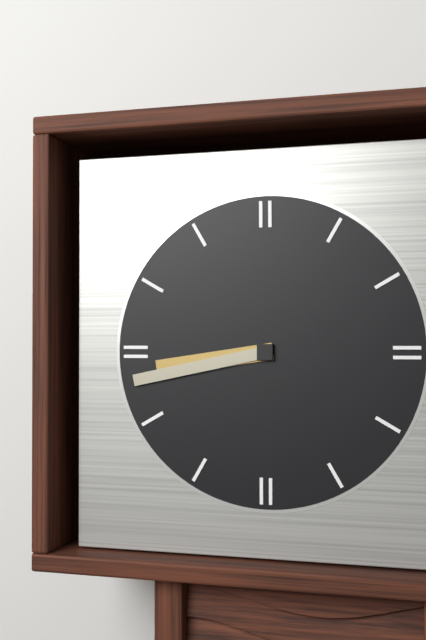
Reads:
{"hour": 8, "minute": 43}
